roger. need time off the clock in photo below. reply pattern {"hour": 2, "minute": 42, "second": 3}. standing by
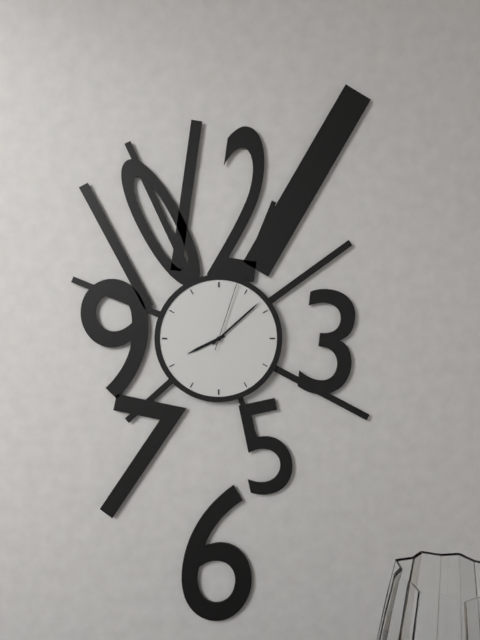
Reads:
{"hour": 8, "minute": 8, "second": 3}
